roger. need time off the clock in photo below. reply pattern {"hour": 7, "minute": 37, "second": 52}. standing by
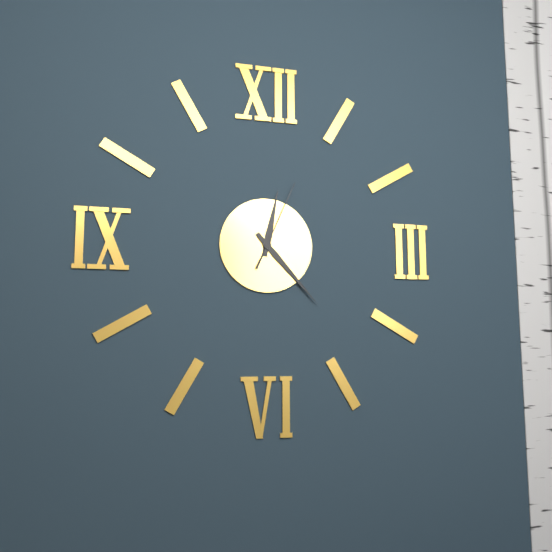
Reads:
{"hour": 12, "minute": 23, "second": 4}
